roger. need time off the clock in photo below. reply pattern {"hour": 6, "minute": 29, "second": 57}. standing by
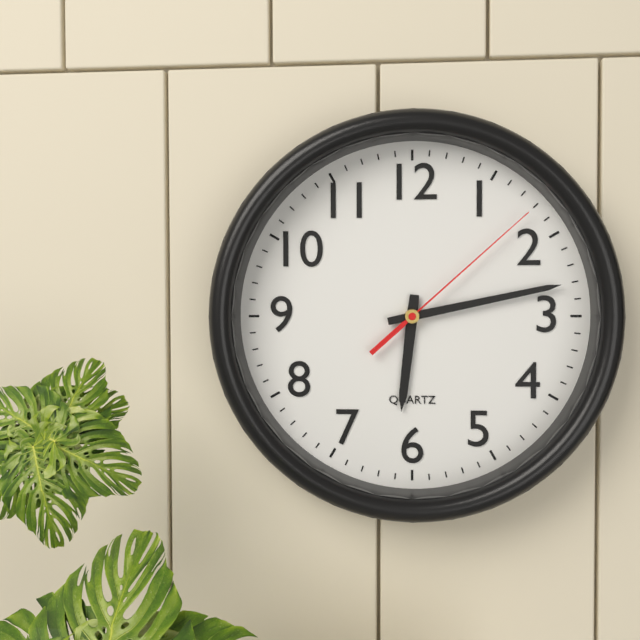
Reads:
{"hour": 6, "minute": 13, "second": 8}
